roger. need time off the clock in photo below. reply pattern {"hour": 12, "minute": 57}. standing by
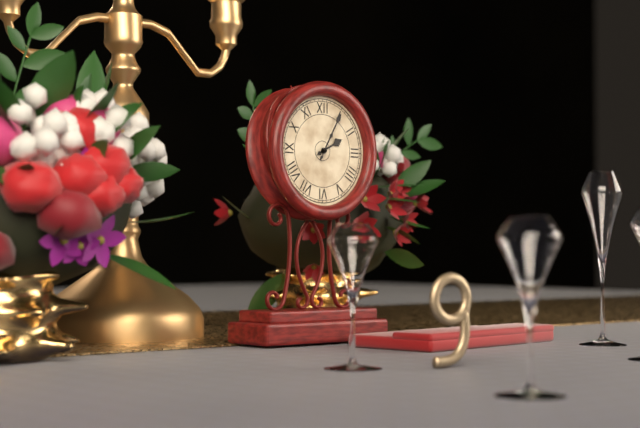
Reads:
{"hour": 2, "minute": 5}
